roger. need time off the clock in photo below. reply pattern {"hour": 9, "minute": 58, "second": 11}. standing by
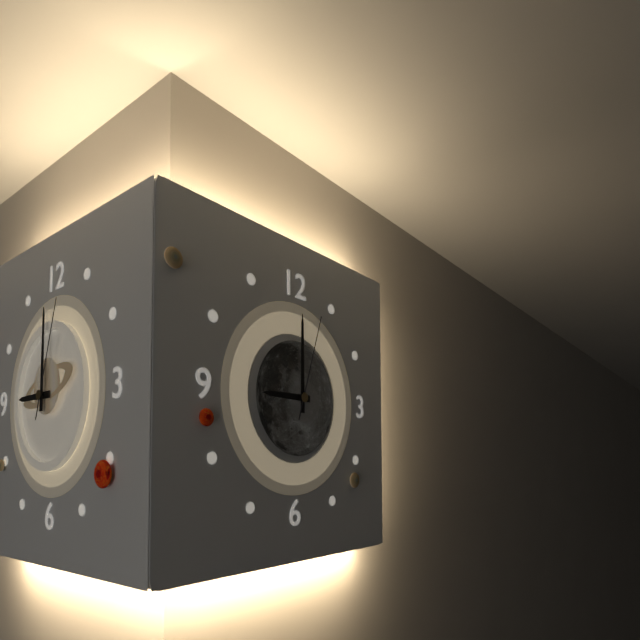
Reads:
{"hour": 9, "minute": 0, "second": 3}
